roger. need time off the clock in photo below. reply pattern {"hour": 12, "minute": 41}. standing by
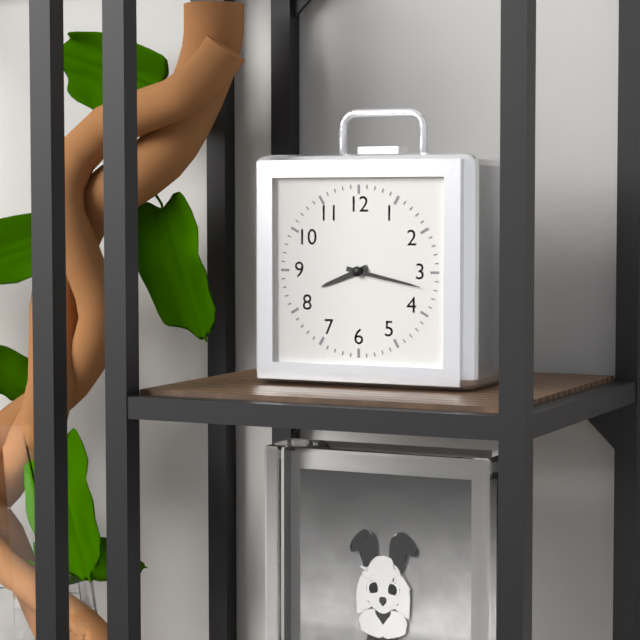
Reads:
{"hour": 8, "minute": 17}
